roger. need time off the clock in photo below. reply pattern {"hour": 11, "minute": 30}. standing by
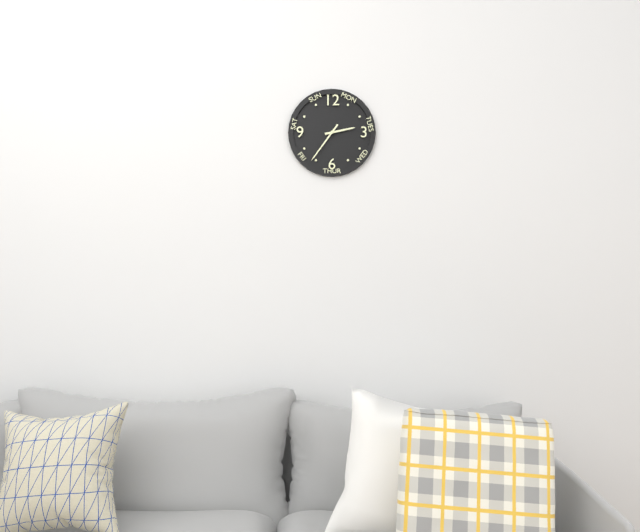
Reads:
{"hour": 2, "minute": 36}
